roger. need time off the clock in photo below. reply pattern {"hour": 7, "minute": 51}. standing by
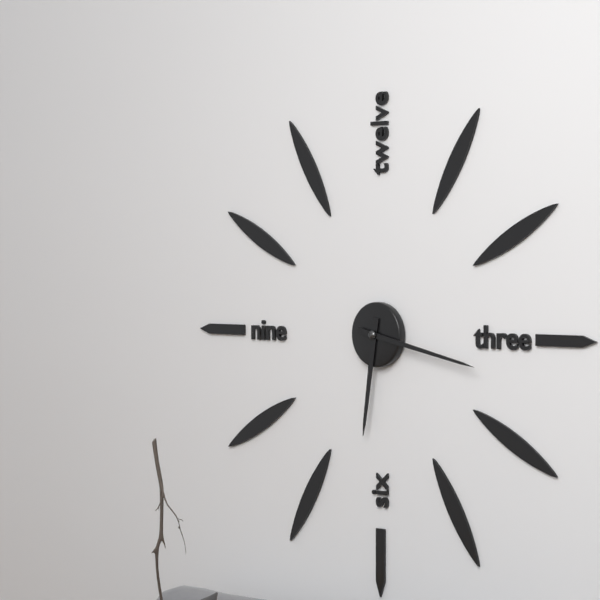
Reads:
{"hour": 6, "minute": 17}
